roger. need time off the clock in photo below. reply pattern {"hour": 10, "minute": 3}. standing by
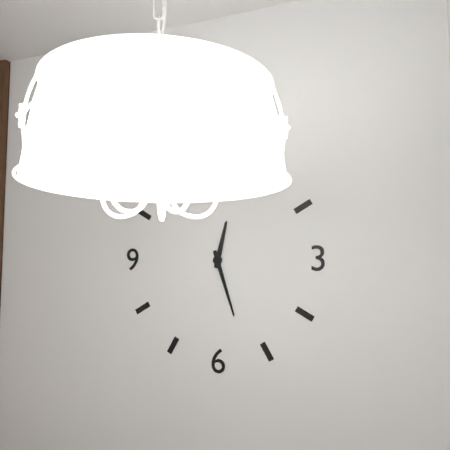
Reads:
{"hour": 12, "minute": 27}
